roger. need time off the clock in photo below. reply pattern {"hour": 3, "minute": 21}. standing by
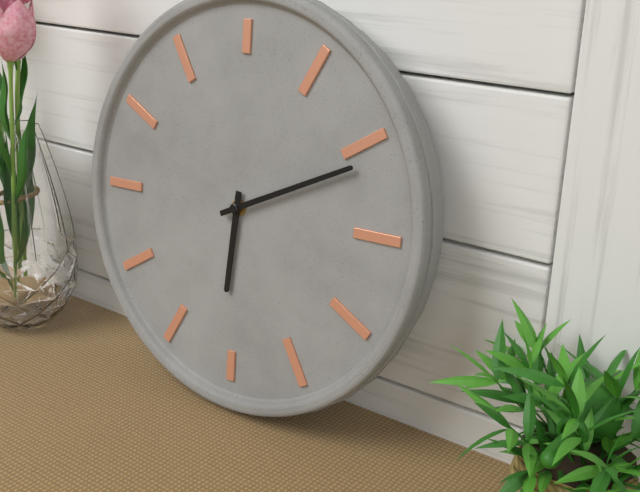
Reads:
{"hour": 6, "minute": 11}
